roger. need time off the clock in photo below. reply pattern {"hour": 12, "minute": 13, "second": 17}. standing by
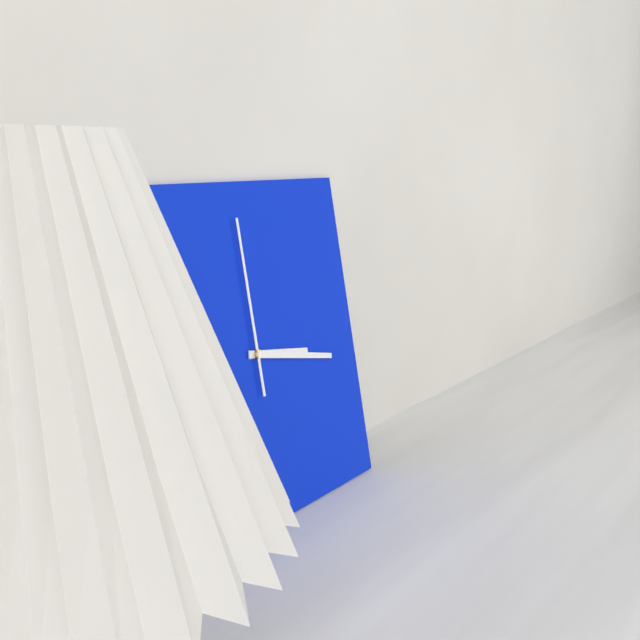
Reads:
{"hour": 3, "minute": 17, "second": 0}
